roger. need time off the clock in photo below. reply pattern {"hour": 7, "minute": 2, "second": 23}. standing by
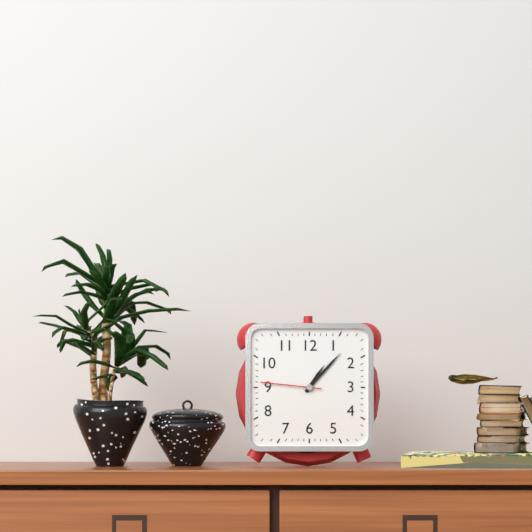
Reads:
{"hour": 1, "minute": 7, "second": 46}
